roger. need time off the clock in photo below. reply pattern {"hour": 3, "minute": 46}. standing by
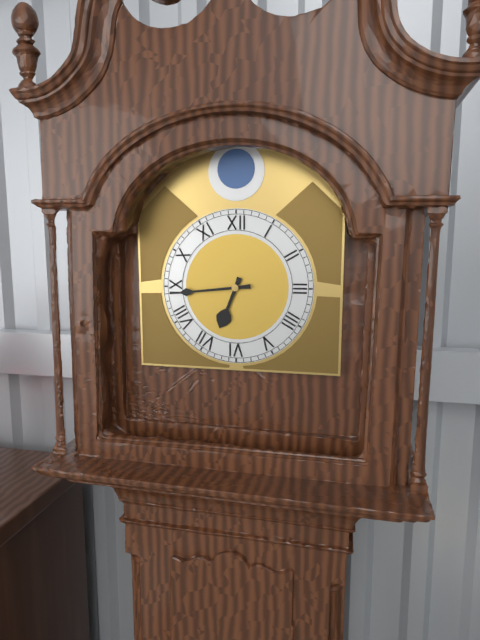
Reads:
{"hour": 6, "minute": 44}
